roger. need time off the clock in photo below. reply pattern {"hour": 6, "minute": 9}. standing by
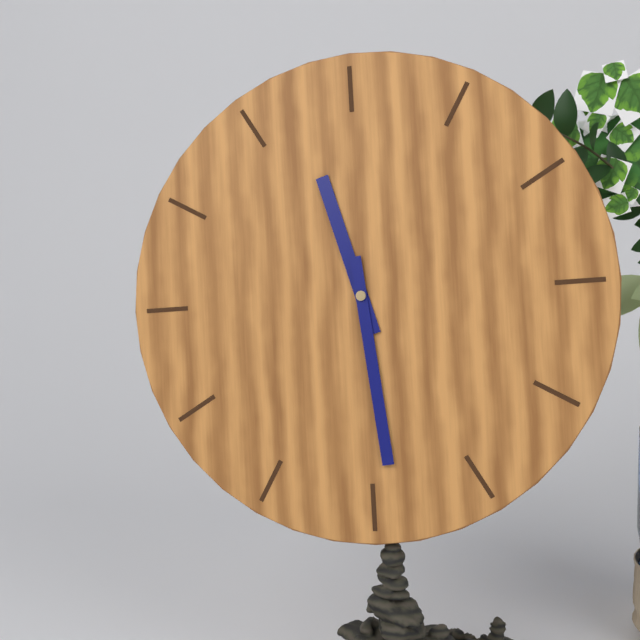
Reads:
{"hour": 11, "minute": 29}
